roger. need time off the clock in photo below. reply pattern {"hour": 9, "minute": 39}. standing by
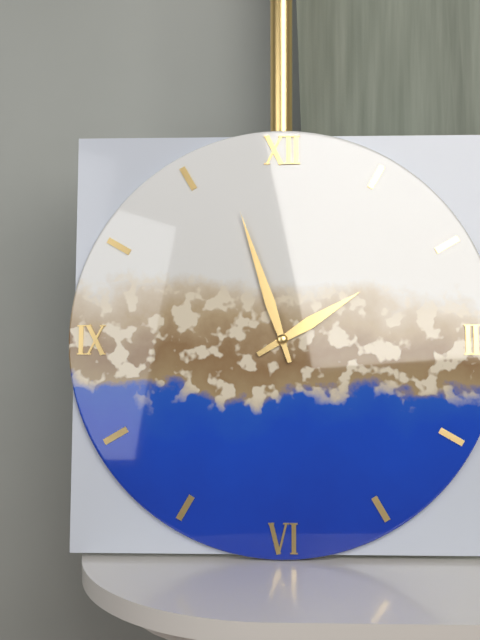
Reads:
{"hour": 1, "minute": 57}
